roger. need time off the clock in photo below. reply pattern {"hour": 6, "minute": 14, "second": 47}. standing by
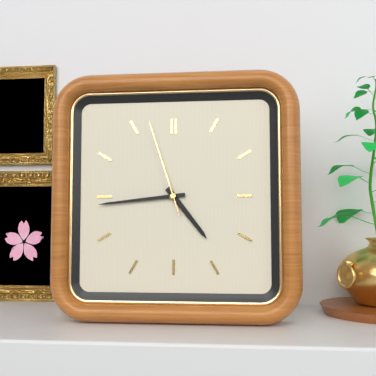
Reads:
{"hour": 4, "minute": 44, "second": 57}
